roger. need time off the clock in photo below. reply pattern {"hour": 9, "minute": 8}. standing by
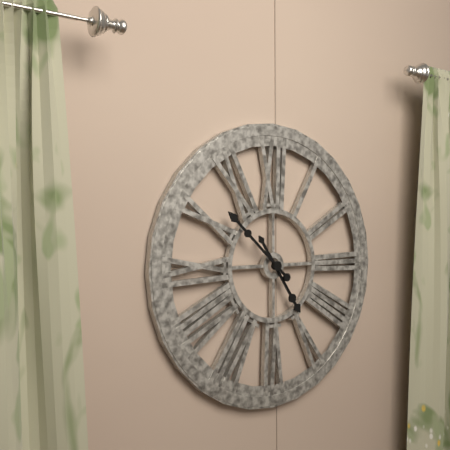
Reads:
{"hour": 4, "minute": 52}
